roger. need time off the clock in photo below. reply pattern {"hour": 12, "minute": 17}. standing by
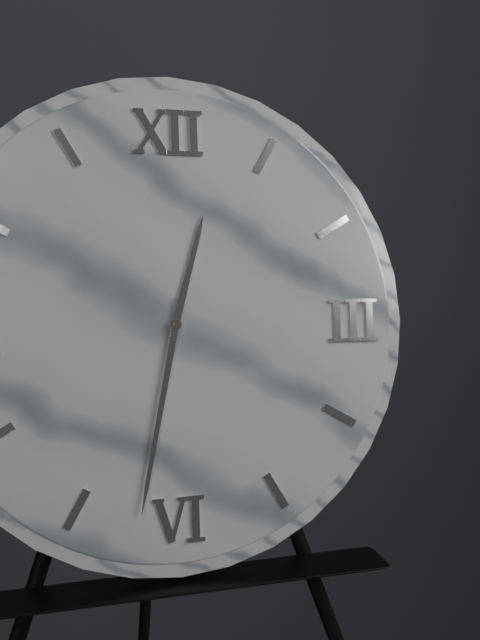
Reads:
{"hour": 12, "minute": 32}
